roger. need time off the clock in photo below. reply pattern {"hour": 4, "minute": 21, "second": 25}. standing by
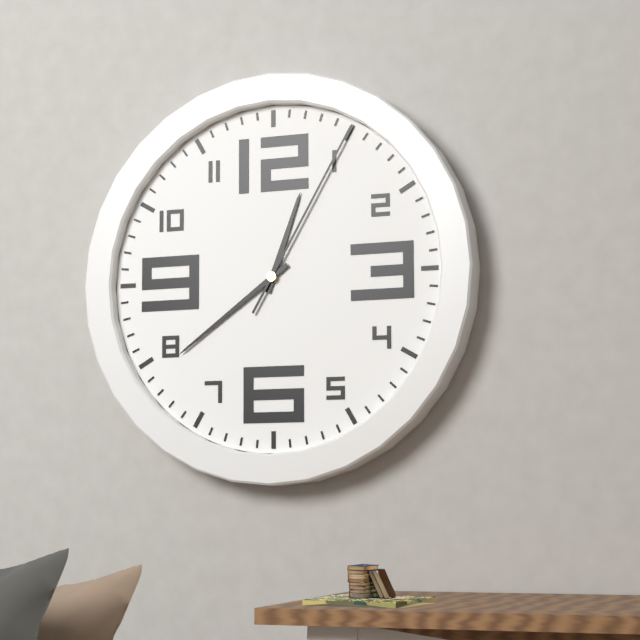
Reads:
{"hour": 12, "minute": 39, "second": 5}
